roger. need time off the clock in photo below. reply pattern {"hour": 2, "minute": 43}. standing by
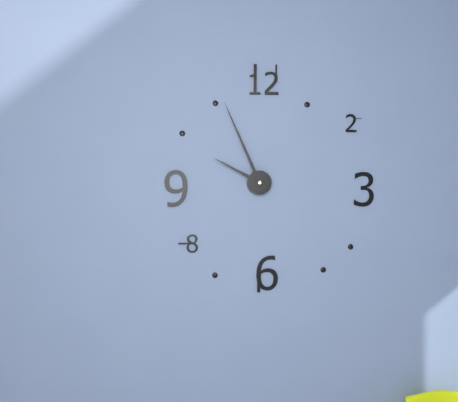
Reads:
{"hour": 9, "minute": 56}
